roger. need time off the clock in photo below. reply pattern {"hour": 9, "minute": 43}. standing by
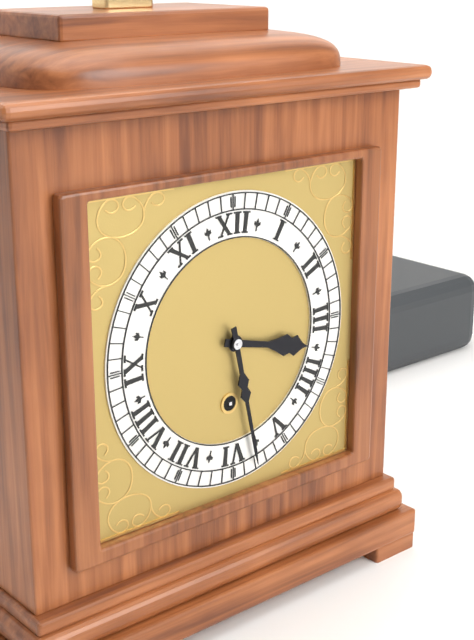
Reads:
{"hour": 3, "minute": 28}
